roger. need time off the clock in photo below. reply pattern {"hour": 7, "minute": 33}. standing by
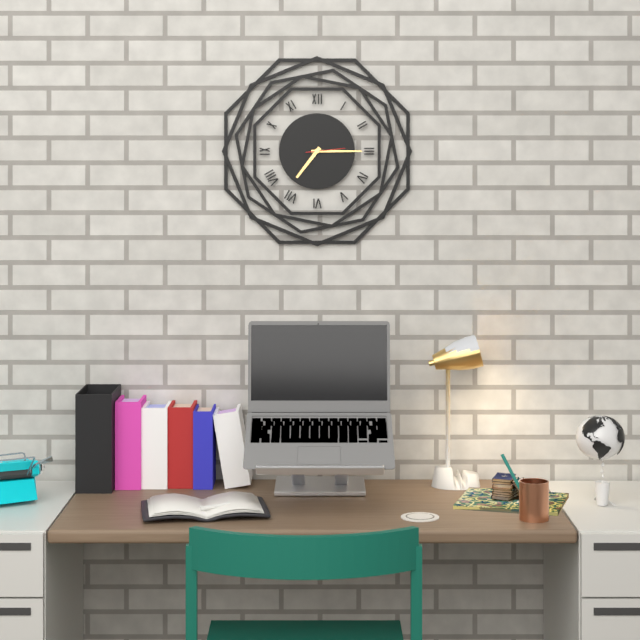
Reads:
{"hour": 7, "minute": 15}
